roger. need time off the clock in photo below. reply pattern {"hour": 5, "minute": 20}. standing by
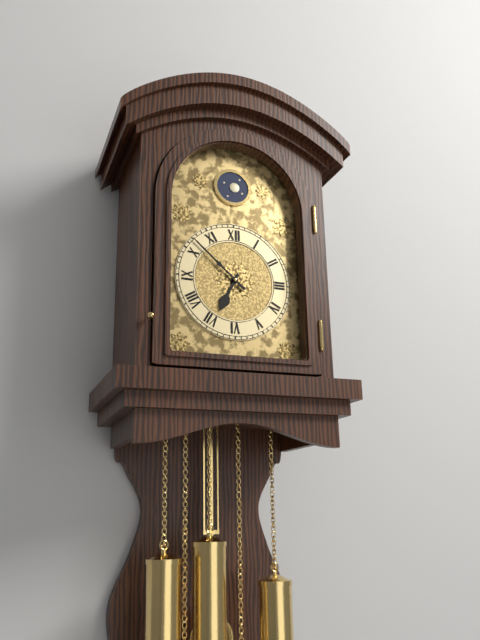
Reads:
{"hour": 6, "minute": 52}
